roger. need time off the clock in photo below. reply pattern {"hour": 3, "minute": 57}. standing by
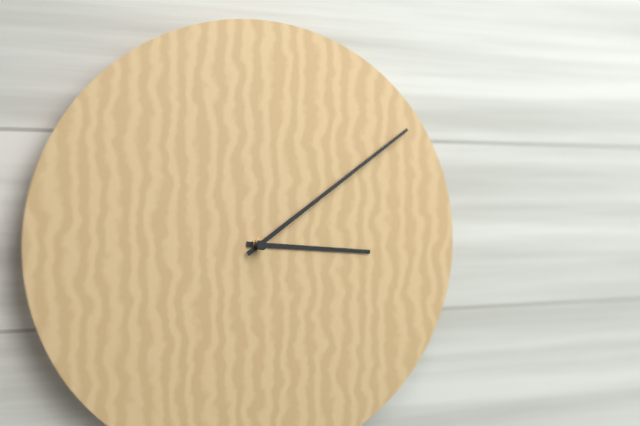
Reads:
{"hour": 3, "minute": 9}
